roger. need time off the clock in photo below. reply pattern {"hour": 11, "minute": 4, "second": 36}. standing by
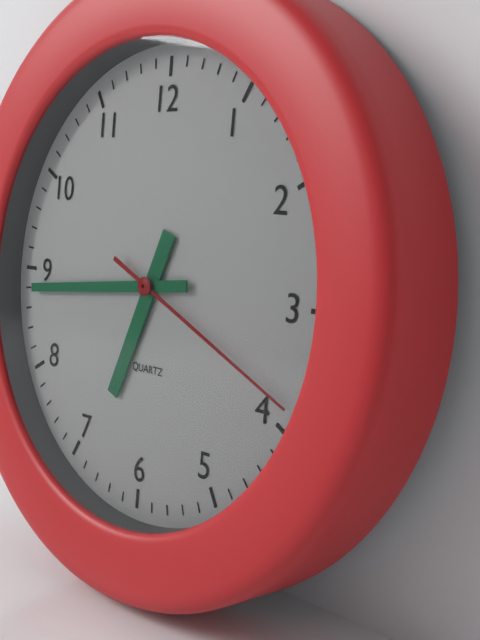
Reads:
{"hour": 6, "minute": 44, "second": 19}
